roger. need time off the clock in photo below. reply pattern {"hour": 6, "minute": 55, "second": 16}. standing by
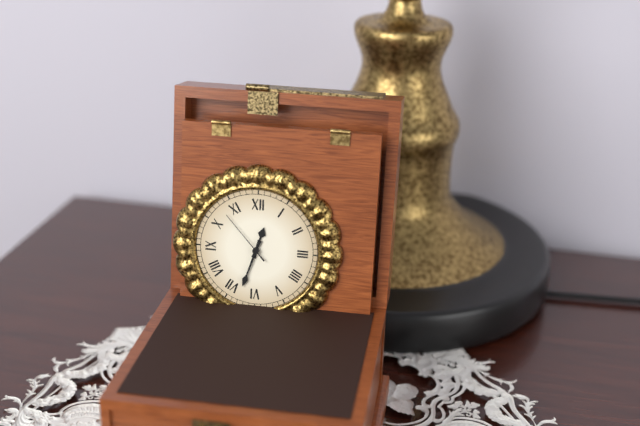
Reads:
{"hour": 12, "minute": 33, "second": 53}
